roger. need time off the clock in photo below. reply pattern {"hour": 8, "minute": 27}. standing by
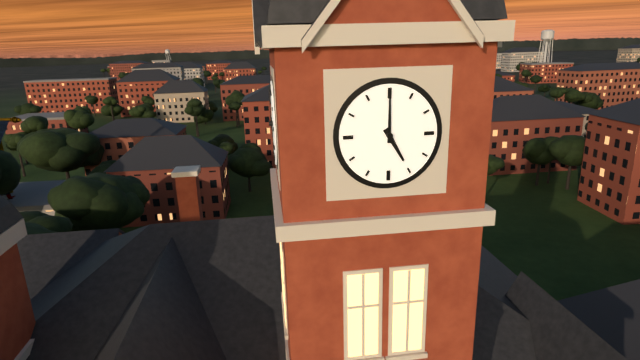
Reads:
{"hour": 5, "minute": 0}
